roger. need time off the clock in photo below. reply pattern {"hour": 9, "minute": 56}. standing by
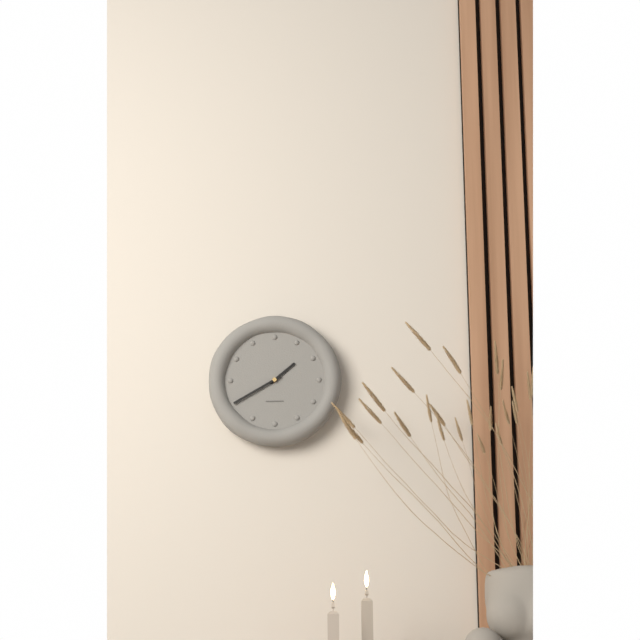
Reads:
{"hour": 1, "minute": 40}
